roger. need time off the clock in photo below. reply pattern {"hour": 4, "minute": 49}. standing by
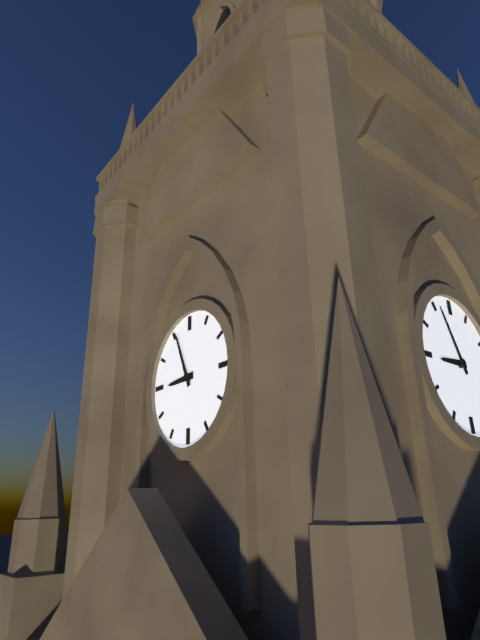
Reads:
{"hour": 8, "minute": 56}
